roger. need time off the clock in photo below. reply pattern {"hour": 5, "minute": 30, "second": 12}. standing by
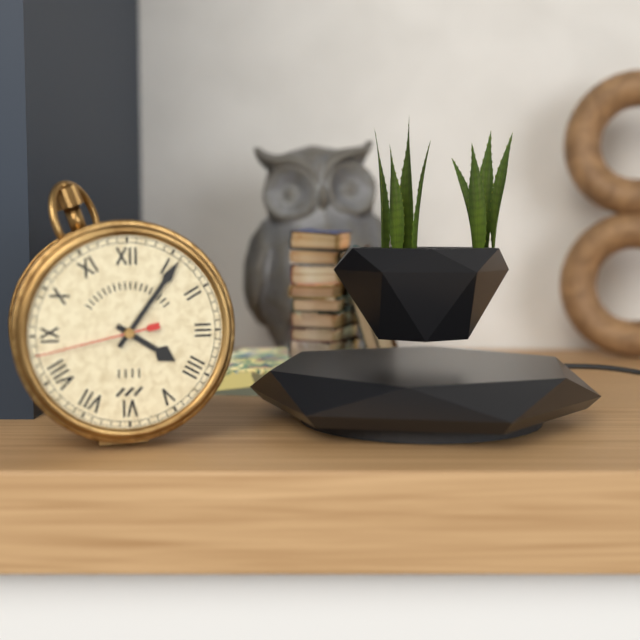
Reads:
{"hour": 4, "minute": 6, "second": 43}
